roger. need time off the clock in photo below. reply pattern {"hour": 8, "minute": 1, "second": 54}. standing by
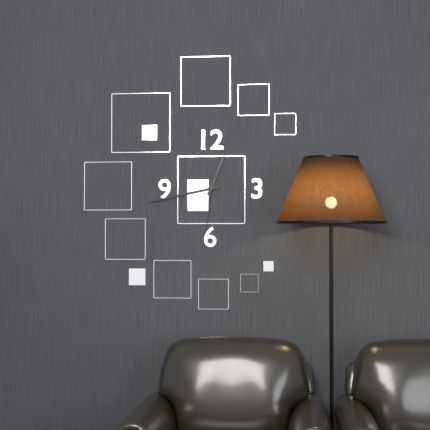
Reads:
{"hour": 12, "minute": 43, "second": 31}
